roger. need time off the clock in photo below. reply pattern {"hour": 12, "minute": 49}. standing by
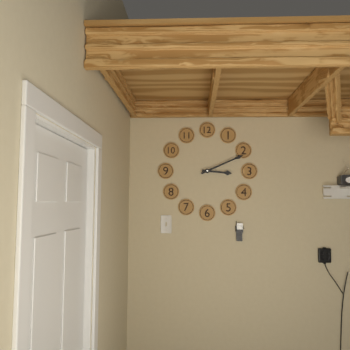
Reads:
{"hour": 3, "minute": 11}
